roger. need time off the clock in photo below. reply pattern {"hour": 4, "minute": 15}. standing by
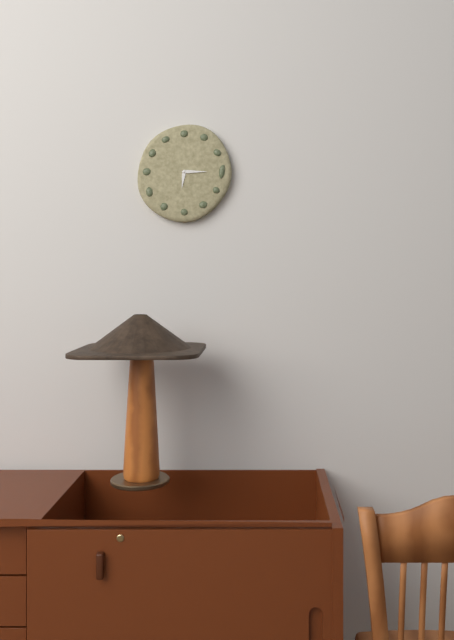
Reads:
{"hour": 6, "minute": 15}
